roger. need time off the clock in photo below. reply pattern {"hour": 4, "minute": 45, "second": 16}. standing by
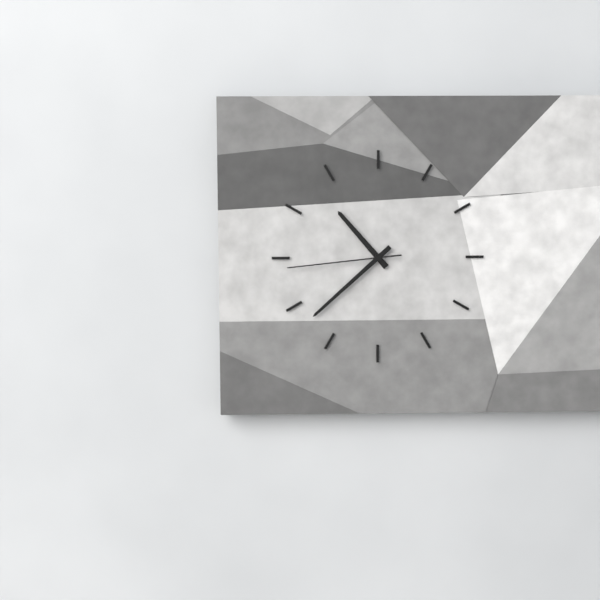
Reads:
{"hour": 10, "minute": 38, "second": 44}
